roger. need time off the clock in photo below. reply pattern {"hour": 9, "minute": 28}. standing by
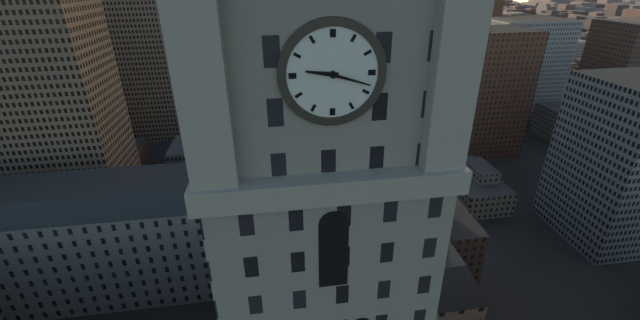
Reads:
{"hour": 9, "minute": 18}
